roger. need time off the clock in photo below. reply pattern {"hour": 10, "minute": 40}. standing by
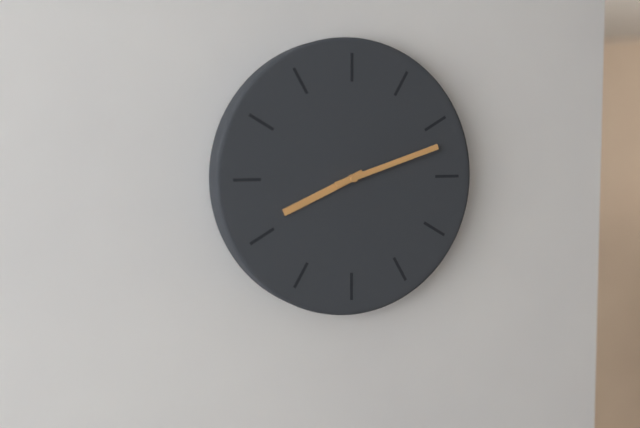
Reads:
{"hour": 8, "minute": 12}
